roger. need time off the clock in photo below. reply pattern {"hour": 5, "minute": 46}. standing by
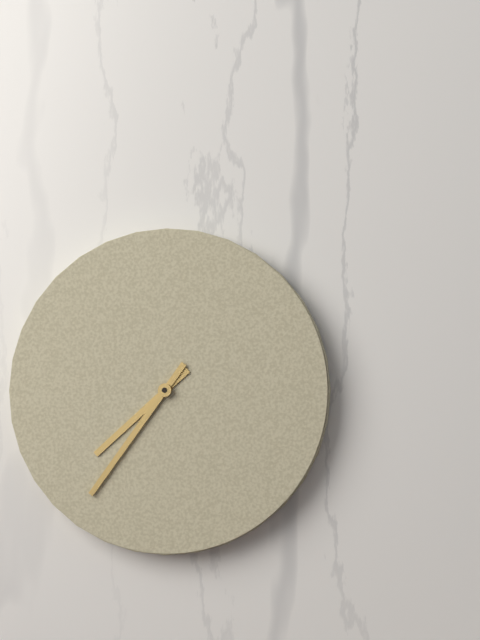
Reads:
{"hour": 7, "minute": 36}
